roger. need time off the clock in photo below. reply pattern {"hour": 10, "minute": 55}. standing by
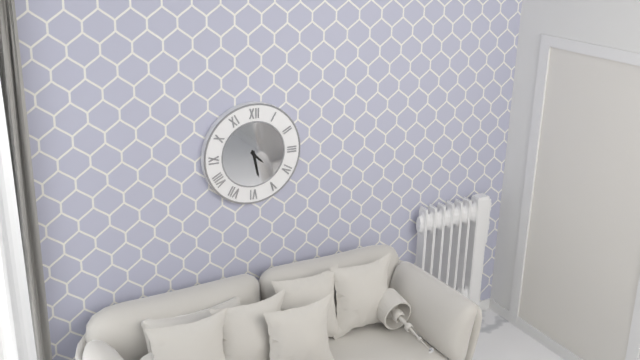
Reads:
{"hour": 4, "minute": 28}
